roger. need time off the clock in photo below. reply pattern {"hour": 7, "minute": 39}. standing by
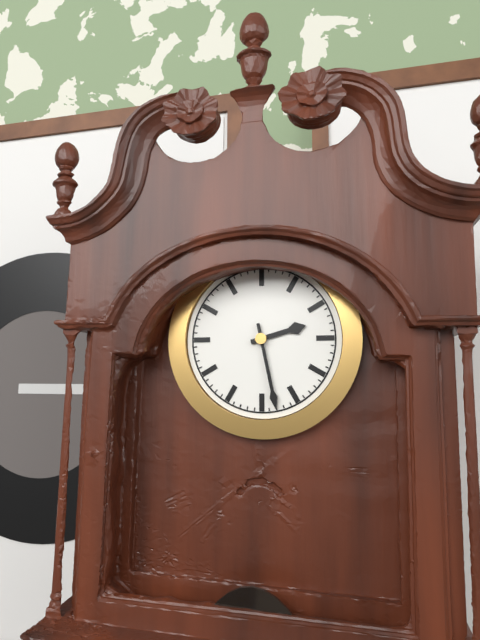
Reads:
{"hour": 2, "minute": 28}
